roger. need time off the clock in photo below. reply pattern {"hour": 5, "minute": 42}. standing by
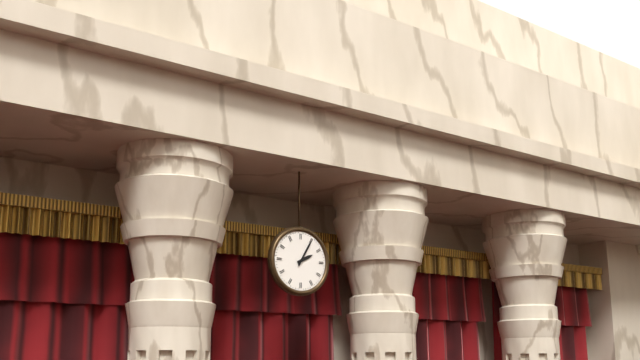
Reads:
{"hour": 2, "minute": 5}
